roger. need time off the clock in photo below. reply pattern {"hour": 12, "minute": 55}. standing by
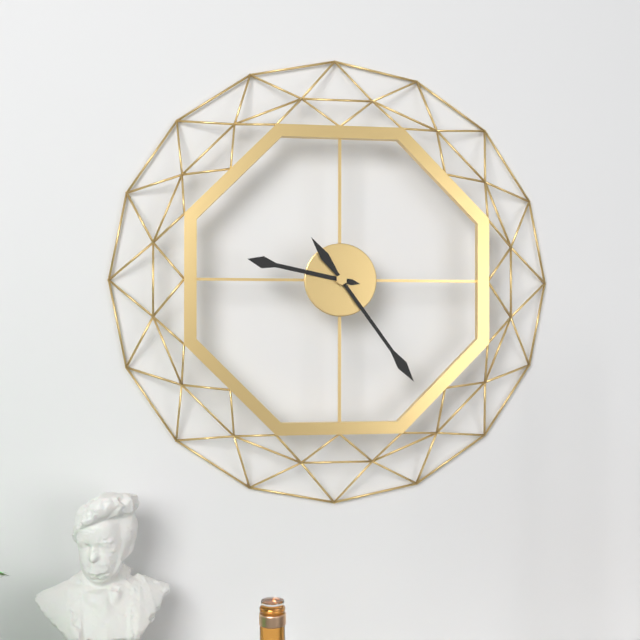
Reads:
{"hour": 9, "minute": 24}
